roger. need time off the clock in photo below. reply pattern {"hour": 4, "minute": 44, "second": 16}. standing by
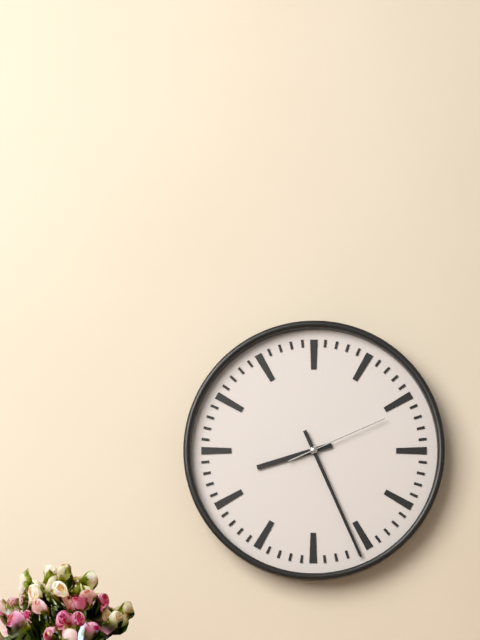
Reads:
{"hour": 8, "minute": 26, "second": 11}
